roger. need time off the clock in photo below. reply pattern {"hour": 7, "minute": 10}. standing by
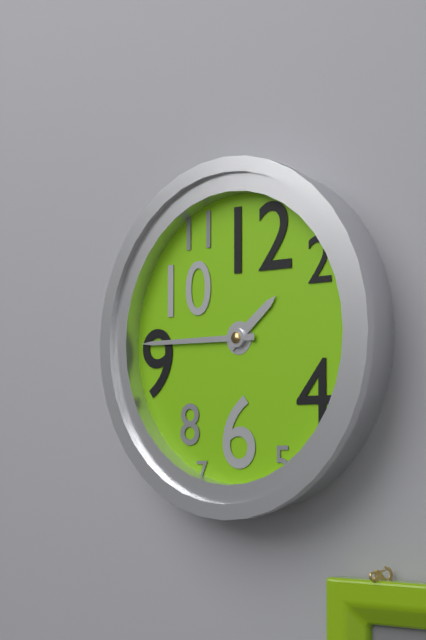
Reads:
{"hour": 1, "minute": 45}
